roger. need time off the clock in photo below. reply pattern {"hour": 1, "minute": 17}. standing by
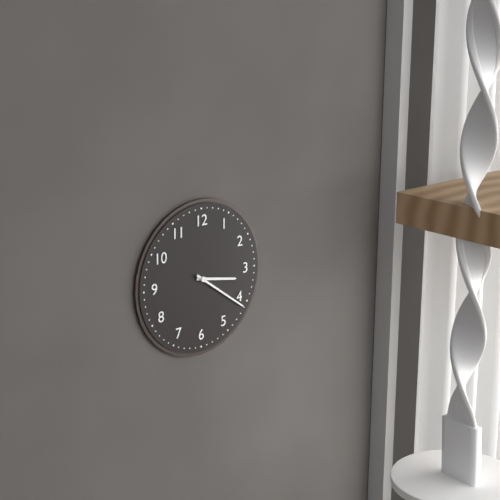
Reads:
{"hour": 3, "minute": 21}
